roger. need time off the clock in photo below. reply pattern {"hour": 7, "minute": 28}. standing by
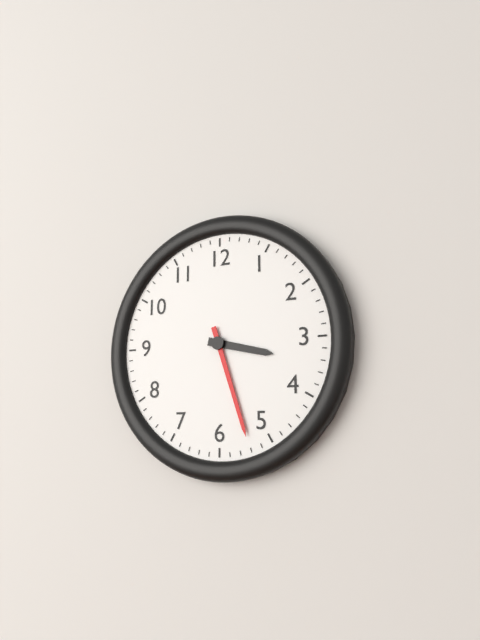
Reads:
{"hour": 3, "minute": 27}
